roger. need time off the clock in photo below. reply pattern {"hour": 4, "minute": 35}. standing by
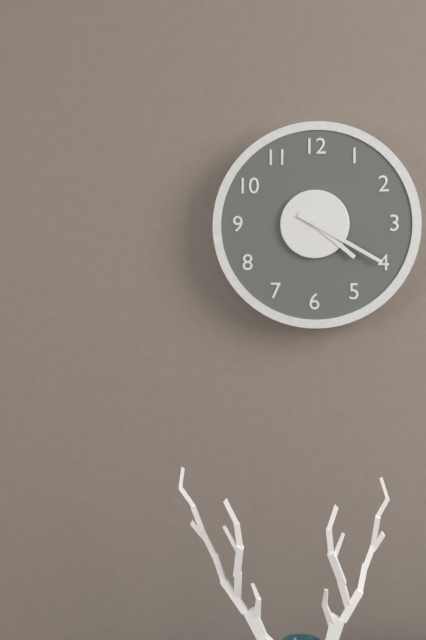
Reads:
{"hour": 4, "minute": 20}
